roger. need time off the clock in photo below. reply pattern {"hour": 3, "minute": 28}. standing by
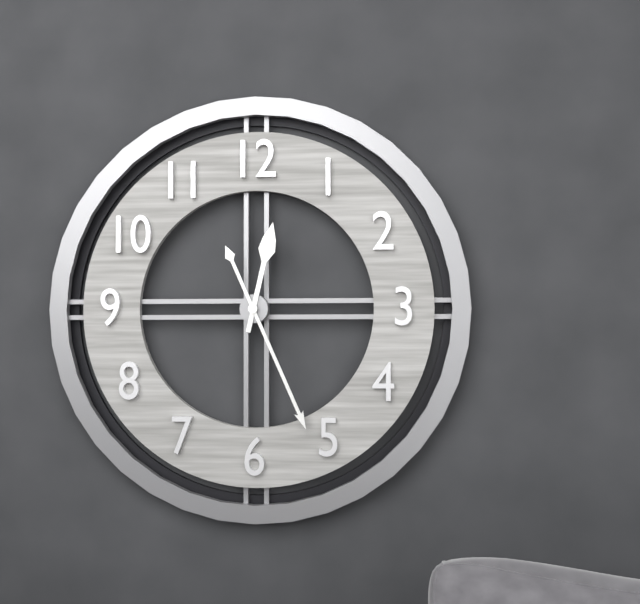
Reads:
{"hour": 12, "minute": 26}
